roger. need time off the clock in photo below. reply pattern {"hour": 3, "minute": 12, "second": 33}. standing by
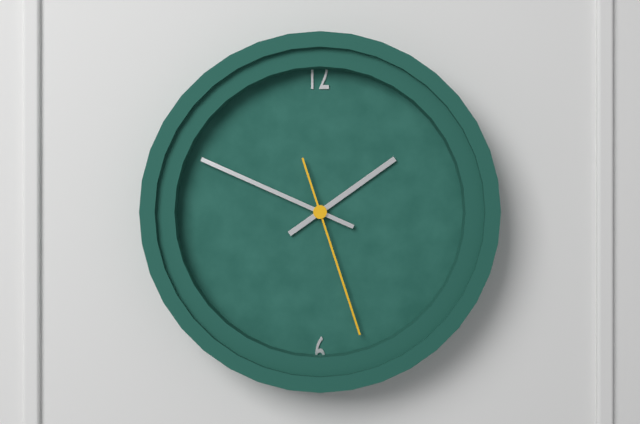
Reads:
{"hour": 1, "minute": 49, "second": 27}
